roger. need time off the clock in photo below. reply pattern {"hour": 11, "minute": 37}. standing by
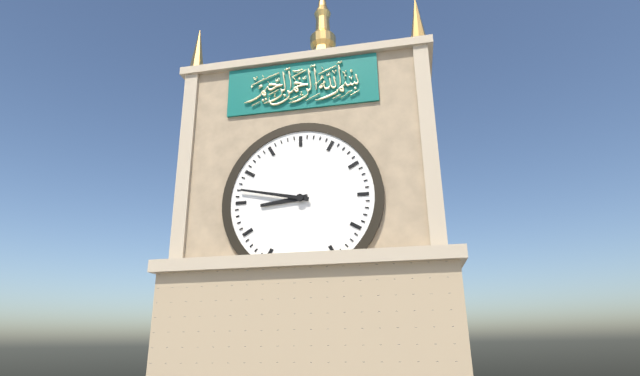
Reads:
{"hour": 8, "minute": 47}
